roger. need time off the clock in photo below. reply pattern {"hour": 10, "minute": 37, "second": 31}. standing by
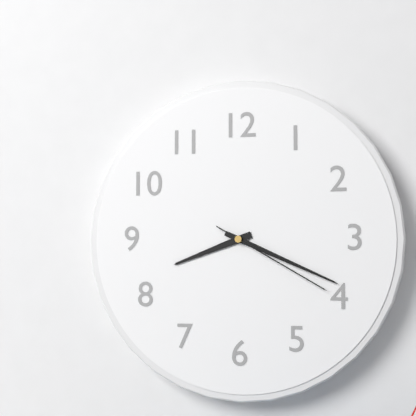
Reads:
{"hour": 8, "minute": 19, "second": 20}
